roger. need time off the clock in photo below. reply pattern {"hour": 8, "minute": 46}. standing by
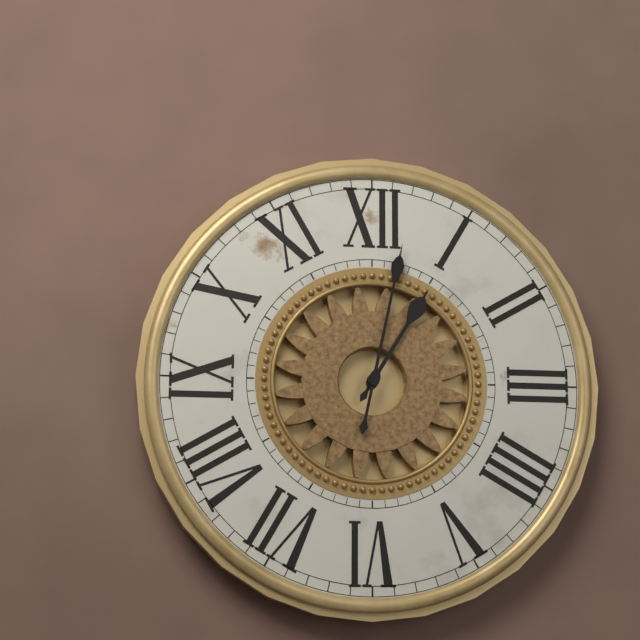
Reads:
{"hour": 1, "minute": 2}
